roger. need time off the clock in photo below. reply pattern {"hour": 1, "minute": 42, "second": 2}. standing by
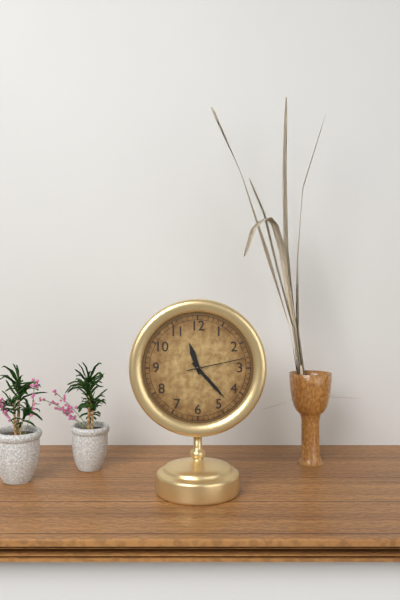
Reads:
{"hour": 11, "minute": 23, "second": 13}
